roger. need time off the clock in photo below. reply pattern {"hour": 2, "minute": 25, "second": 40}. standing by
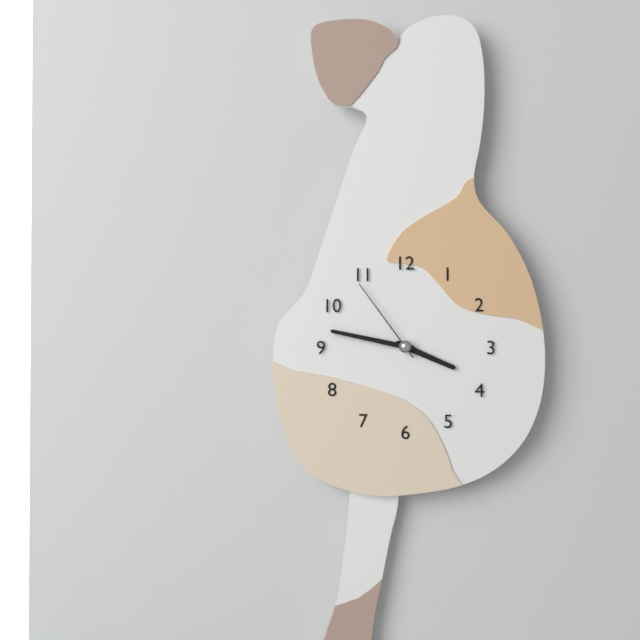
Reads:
{"hour": 3, "minute": 47, "second": 54}
